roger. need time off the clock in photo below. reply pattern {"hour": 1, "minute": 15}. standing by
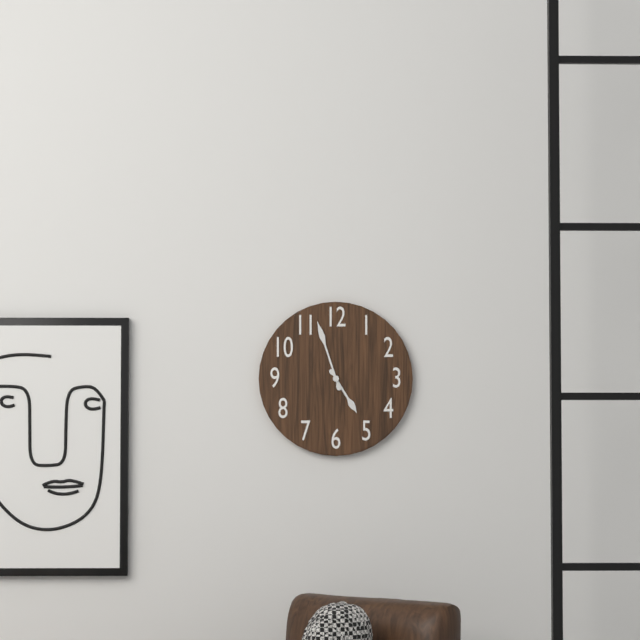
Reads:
{"hour": 4, "minute": 57}
